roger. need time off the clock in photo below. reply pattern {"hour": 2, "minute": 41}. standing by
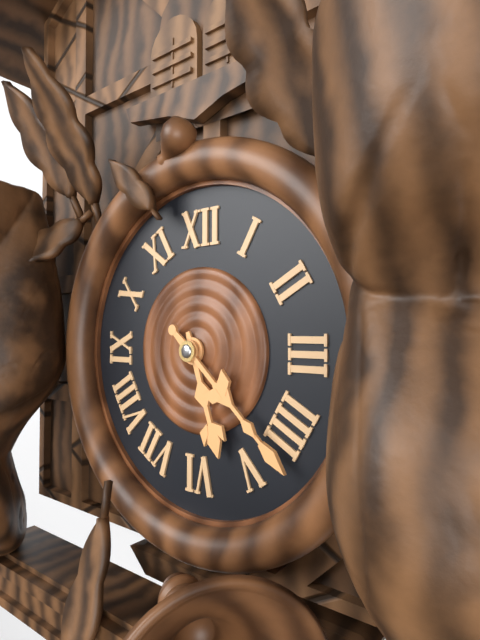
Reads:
{"hour": 5, "minute": 22}
